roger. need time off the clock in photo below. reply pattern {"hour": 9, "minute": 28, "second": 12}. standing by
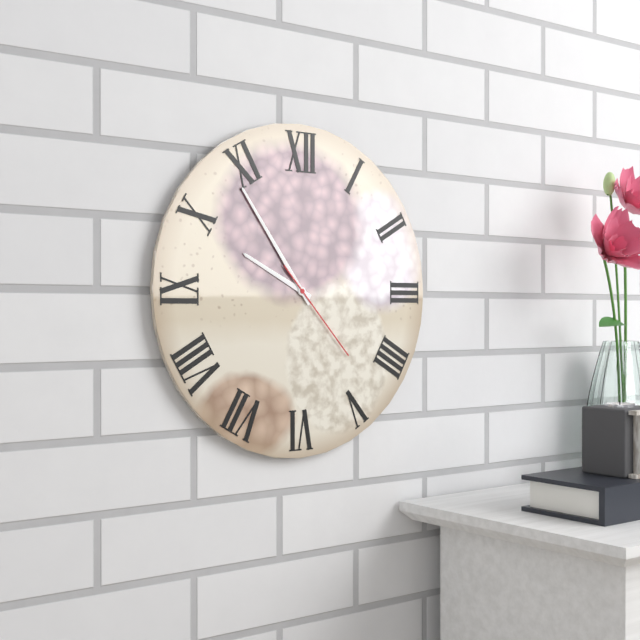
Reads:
{"hour": 9, "minute": 54, "second": 23}
